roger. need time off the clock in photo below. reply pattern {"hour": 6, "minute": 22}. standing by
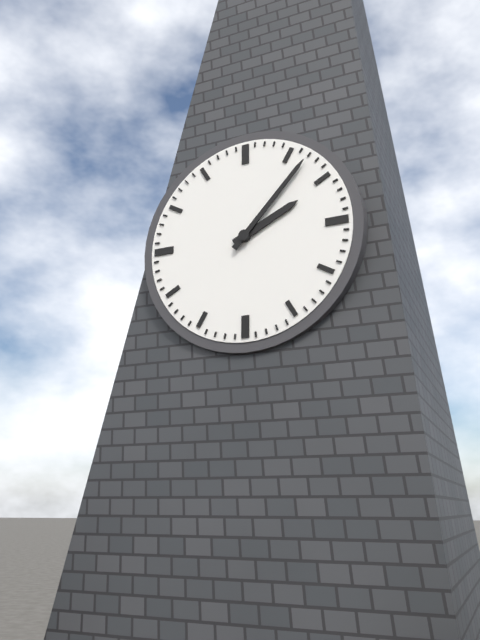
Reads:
{"hour": 2, "minute": 7}
